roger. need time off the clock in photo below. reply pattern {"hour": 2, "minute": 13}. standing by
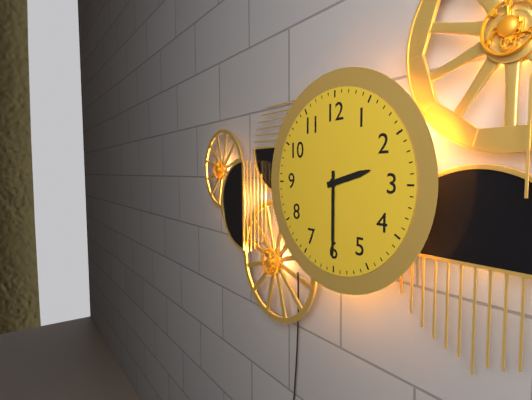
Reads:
{"hour": 2, "minute": 30}
